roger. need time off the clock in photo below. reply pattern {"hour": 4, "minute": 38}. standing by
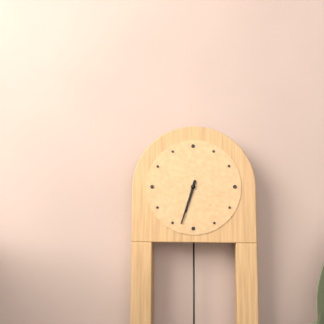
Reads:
{"hour": 6, "minute": 33}
